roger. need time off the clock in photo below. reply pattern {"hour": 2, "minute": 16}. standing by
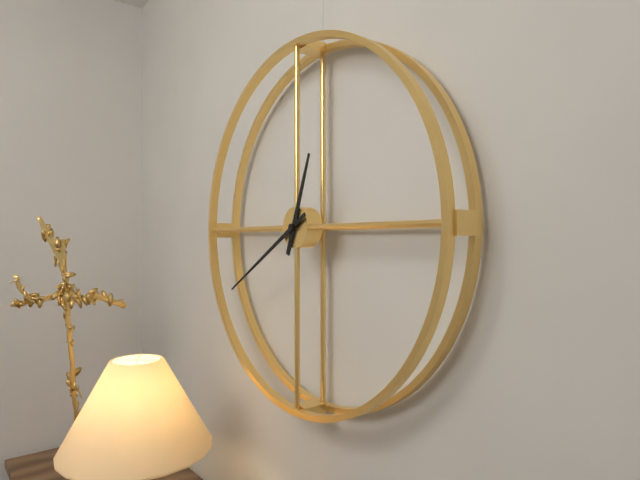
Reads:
{"hour": 12, "minute": 40}
